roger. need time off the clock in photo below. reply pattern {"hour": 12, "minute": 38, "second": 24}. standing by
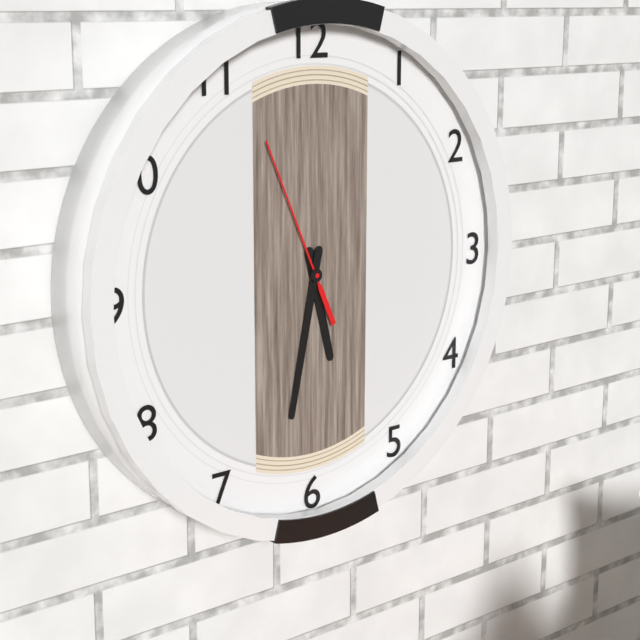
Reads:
{"hour": 5, "minute": 32, "second": 56}
